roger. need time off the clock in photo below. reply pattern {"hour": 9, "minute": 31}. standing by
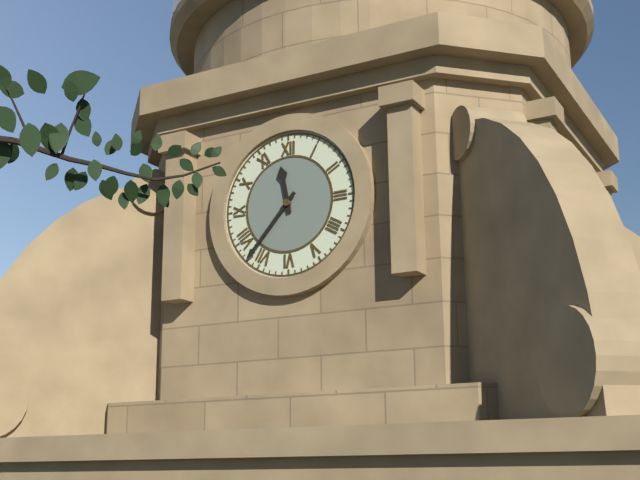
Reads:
{"hour": 11, "minute": 37}
